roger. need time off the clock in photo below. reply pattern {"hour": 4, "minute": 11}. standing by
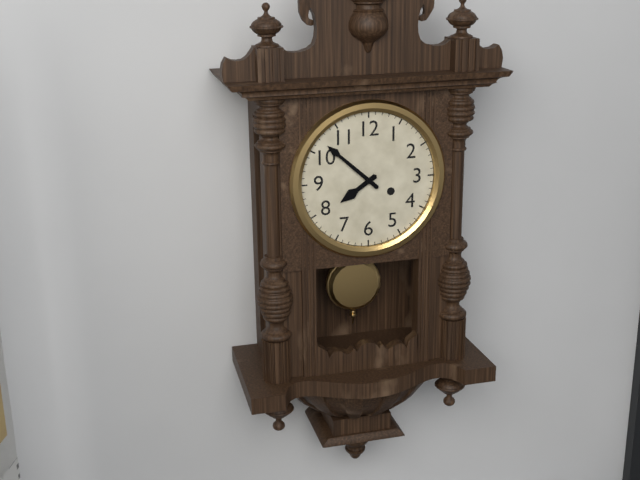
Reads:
{"hour": 7, "minute": 52}
